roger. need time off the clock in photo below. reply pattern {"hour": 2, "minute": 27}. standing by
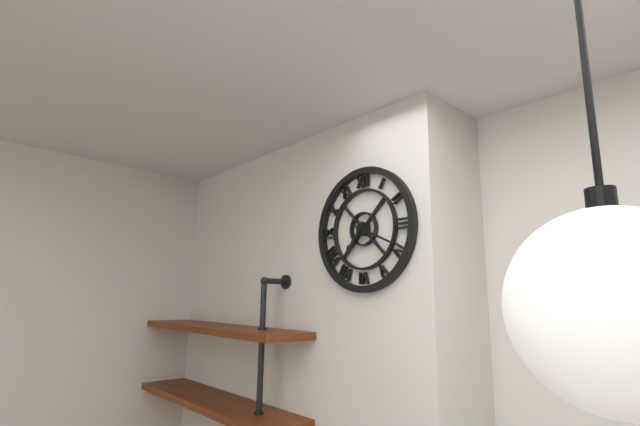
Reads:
{"hour": 7, "minute": 19}
